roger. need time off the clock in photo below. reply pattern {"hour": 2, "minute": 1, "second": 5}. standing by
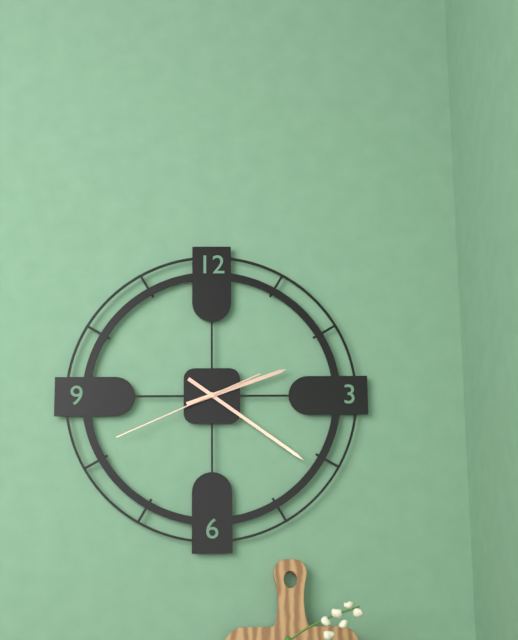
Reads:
{"hour": 2, "minute": 21, "second": 41}
